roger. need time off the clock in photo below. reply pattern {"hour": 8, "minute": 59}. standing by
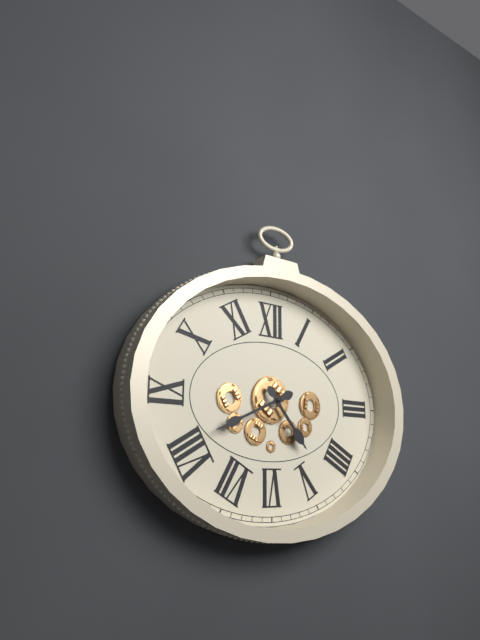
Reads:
{"hour": 4, "minute": 41}
